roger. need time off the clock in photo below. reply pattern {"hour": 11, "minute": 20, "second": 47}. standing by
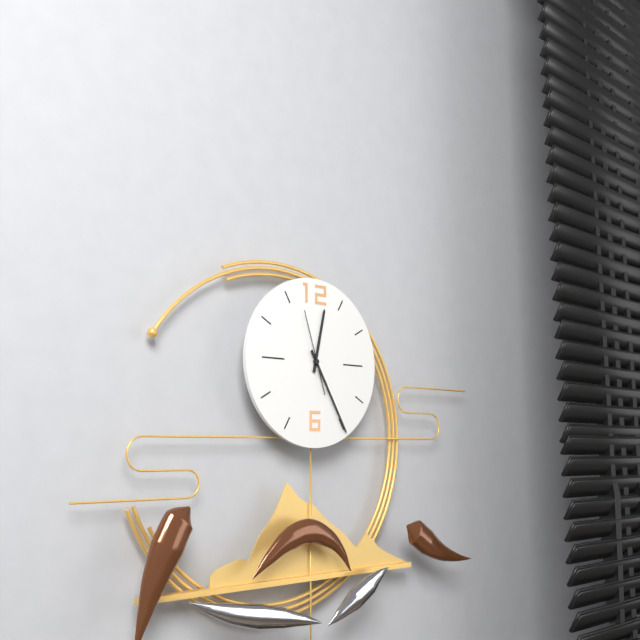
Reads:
{"hour": 12, "minute": 25, "second": 57}
